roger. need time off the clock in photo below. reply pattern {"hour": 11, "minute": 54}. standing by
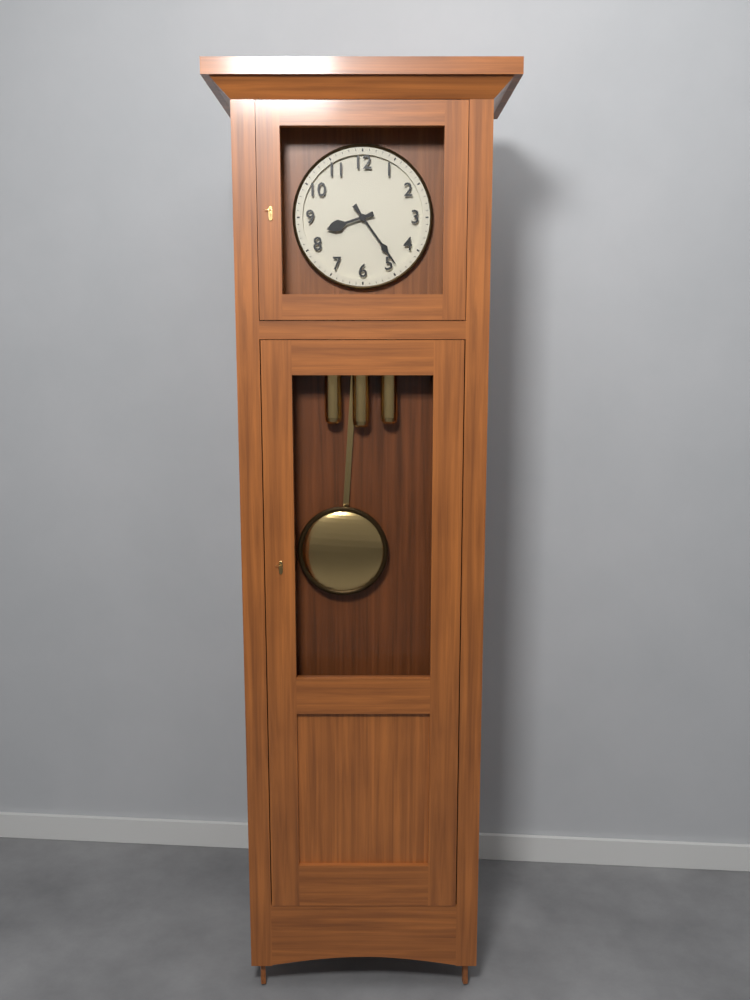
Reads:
{"hour": 8, "minute": 24}
